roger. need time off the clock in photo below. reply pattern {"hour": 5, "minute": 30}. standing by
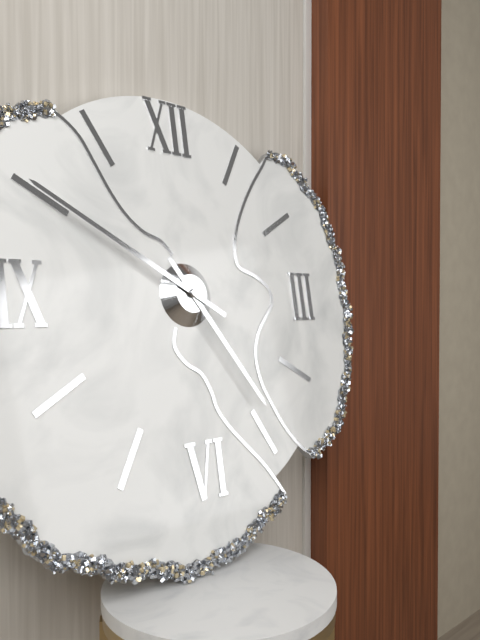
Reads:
{"hour": 4, "minute": 50}
